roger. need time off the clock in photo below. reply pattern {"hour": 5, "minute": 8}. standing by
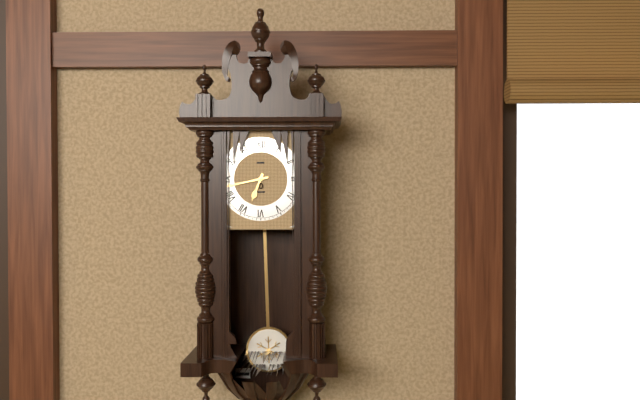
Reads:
{"hour": 6, "minute": 43}
